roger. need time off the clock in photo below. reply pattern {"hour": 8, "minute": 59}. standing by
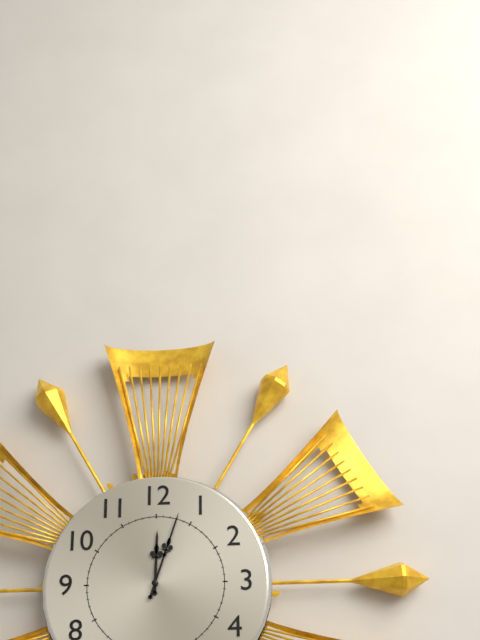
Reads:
{"hour": 12, "minute": 3}
